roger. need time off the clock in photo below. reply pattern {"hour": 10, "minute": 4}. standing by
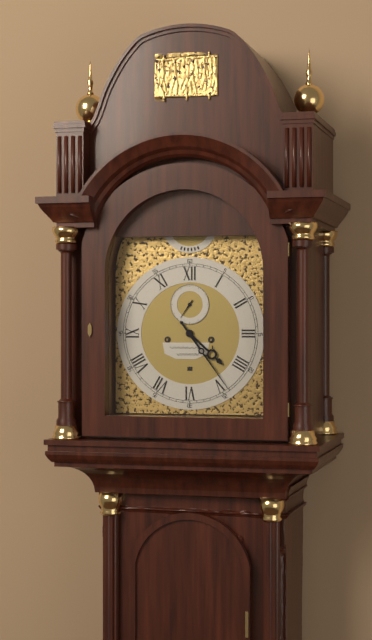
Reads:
{"hour": 4, "minute": 24}
